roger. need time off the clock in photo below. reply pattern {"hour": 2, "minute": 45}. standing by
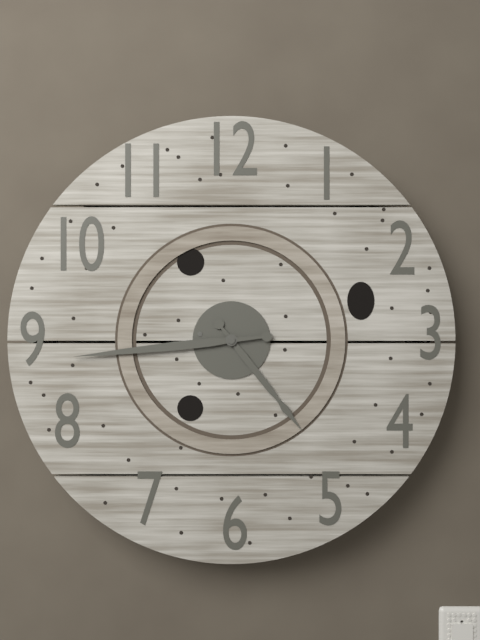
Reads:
{"hour": 4, "minute": 44}
